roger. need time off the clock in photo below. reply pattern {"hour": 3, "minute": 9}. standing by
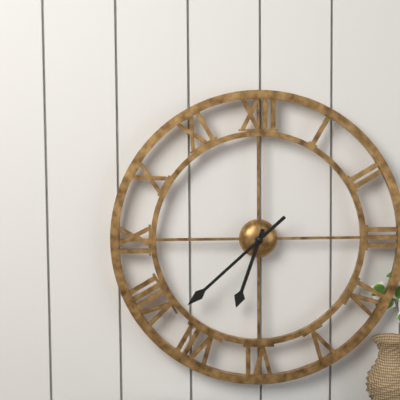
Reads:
{"hour": 6, "minute": 38}
